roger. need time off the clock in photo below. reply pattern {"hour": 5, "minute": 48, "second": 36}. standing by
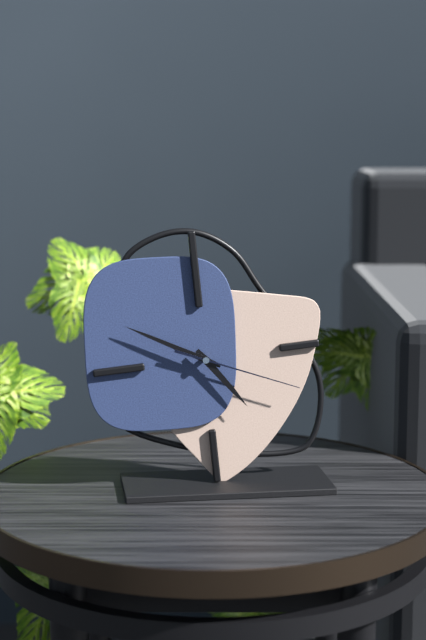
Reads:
{"hour": 4, "minute": 50, "second": 19}
